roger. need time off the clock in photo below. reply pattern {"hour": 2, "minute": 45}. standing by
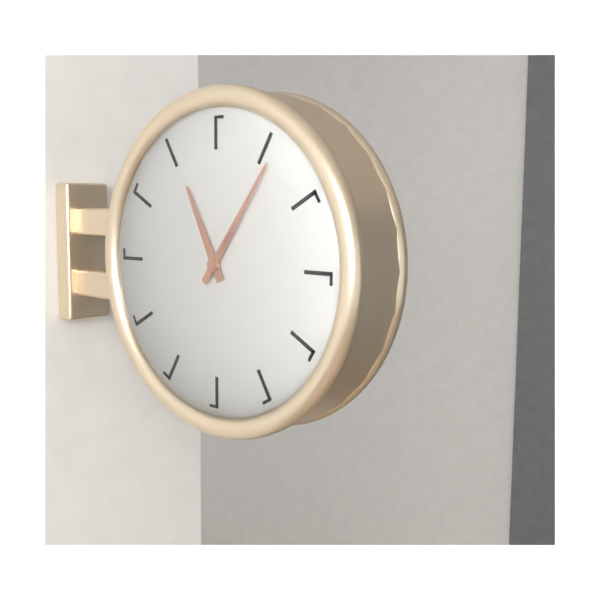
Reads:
{"hour": 11, "minute": 6}
